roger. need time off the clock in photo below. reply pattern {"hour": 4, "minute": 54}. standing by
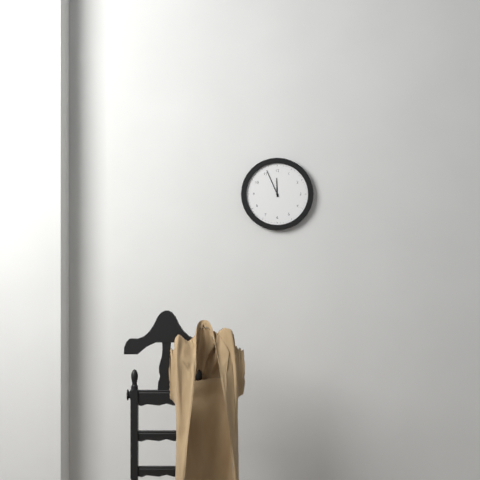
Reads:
{"hour": 11, "minute": 56}
